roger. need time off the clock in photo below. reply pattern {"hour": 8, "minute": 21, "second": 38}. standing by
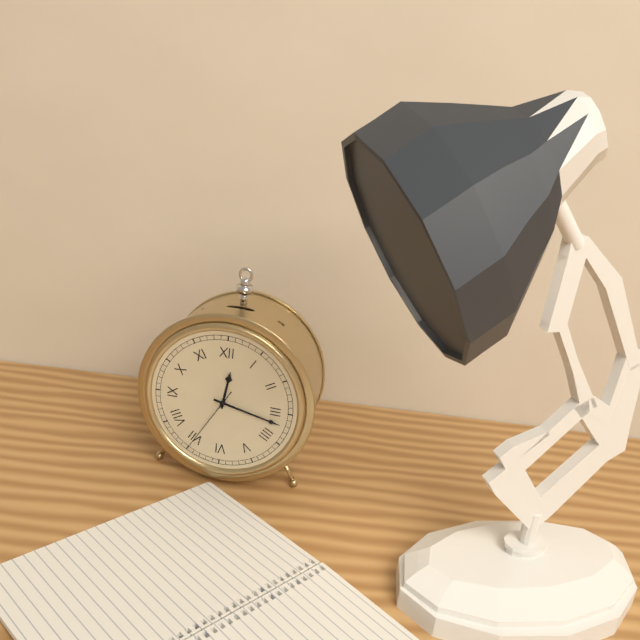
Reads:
{"hour": 12, "minute": 17, "second": 35}
